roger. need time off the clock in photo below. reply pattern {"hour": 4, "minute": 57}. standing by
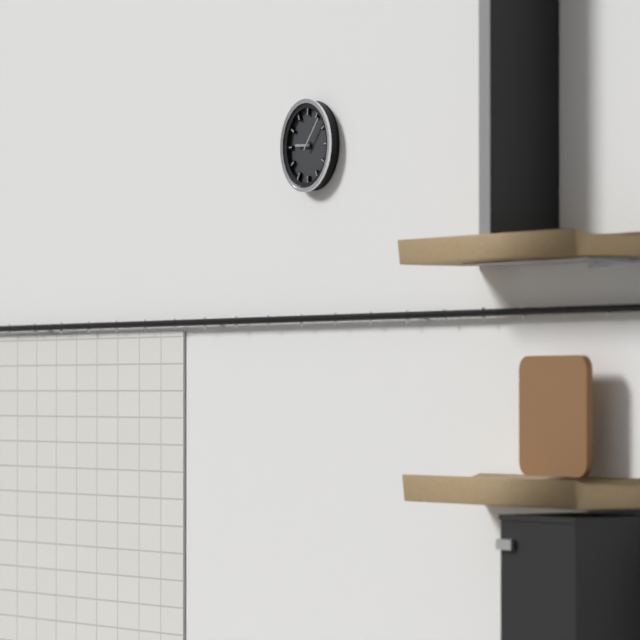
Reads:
{"hour": 9, "minute": 7}
